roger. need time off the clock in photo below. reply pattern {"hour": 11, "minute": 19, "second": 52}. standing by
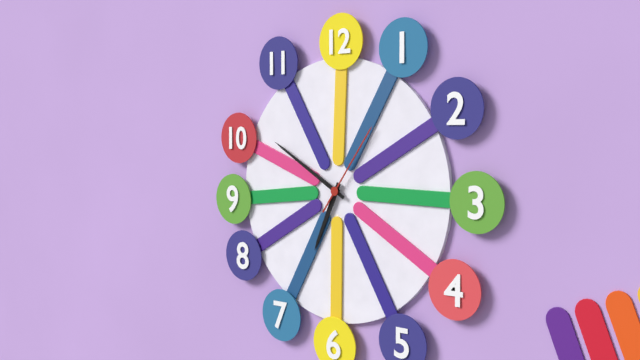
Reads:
{"hour": 6, "minute": 50, "second": 6}
